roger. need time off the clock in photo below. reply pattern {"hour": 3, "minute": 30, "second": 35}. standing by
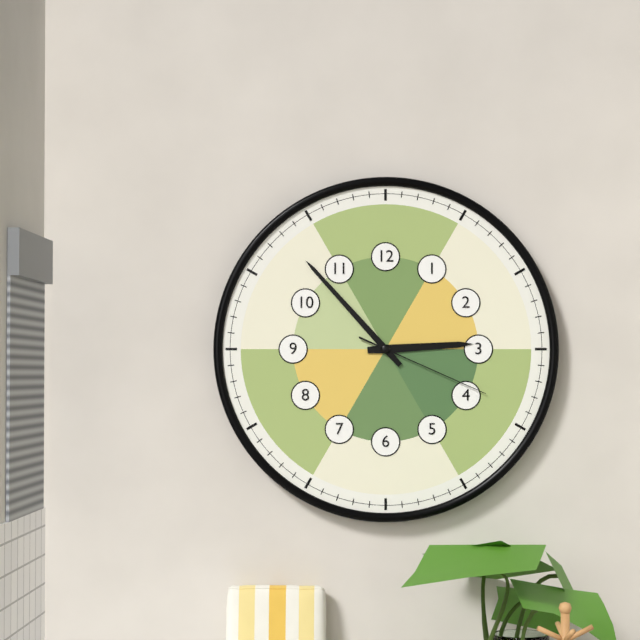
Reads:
{"hour": 2, "minute": 53, "second": 19}
